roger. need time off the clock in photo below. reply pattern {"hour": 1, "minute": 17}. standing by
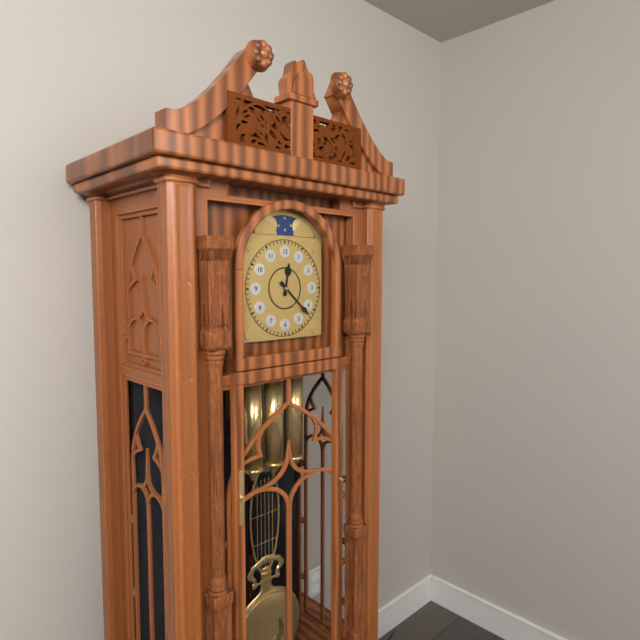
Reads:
{"hour": 12, "minute": 22}
